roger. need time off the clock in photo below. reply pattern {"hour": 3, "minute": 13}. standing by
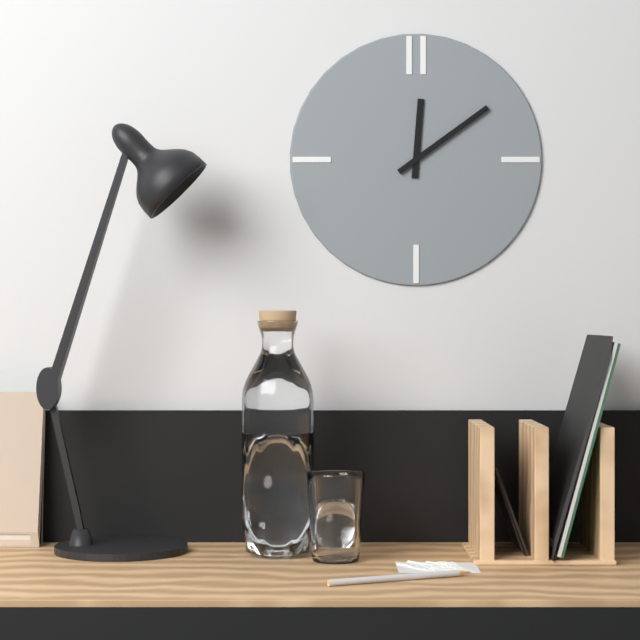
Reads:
{"hour": 12, "minute": 9}
